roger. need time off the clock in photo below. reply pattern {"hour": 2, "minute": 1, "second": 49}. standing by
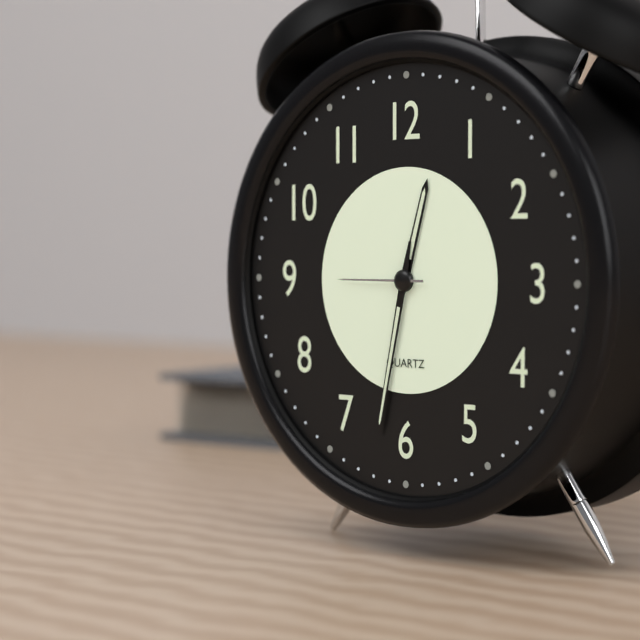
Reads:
{"hour": 12, "minute": 32, "second": 45}
